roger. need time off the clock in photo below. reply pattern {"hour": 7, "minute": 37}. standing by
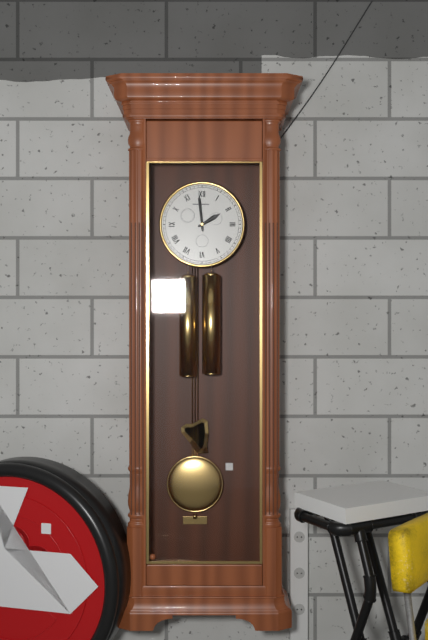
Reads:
{"hour": 1, "minute": 59}
